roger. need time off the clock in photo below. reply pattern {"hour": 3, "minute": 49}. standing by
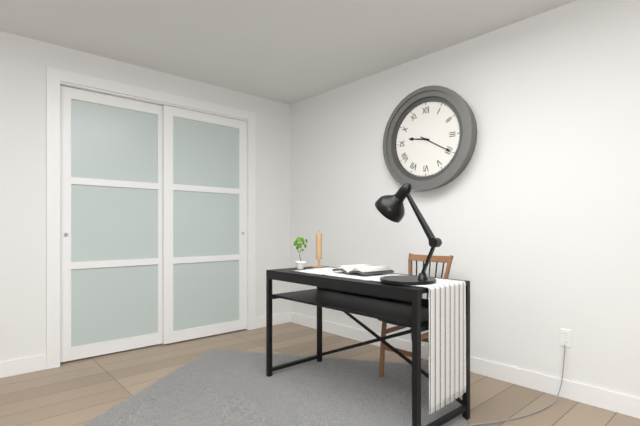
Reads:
{"hour": 9, "minute": 20}
